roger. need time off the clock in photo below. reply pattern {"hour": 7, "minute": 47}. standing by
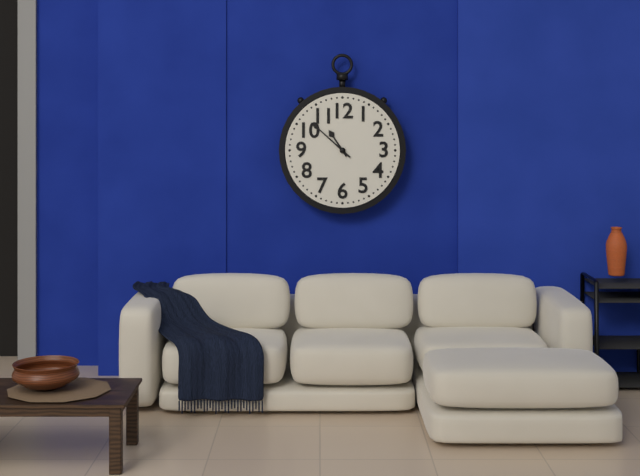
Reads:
{"hour": 10, "minute": 52}
